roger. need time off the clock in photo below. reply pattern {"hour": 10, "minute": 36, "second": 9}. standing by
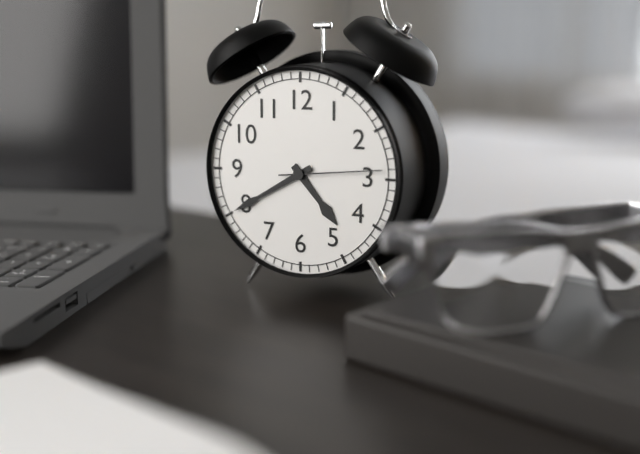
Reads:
{"hour": 4, "minute": 40, "second": 14}
